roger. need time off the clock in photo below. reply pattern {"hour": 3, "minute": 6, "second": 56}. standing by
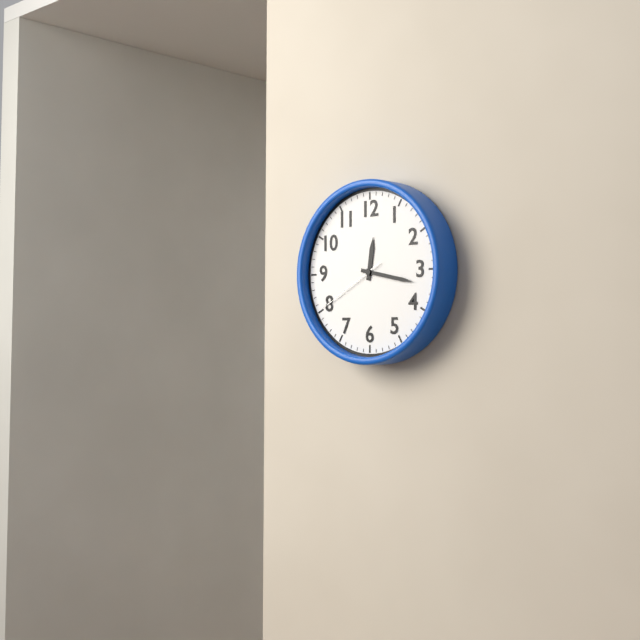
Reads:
{"hour": 12, "minute": 17, "second": 40}
